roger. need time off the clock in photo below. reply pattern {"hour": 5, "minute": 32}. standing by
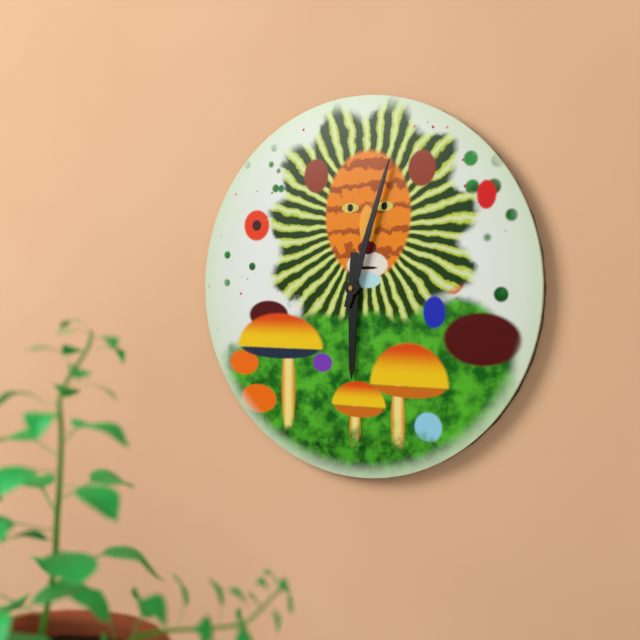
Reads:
{"hour": 6, "minute": 3}
